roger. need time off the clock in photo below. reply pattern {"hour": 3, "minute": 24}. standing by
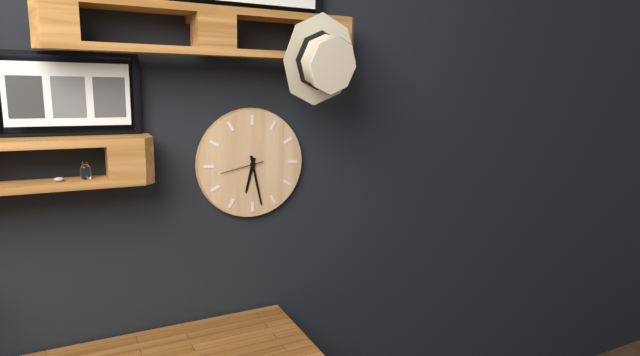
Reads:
{"hour": 6, "minute": 28}
